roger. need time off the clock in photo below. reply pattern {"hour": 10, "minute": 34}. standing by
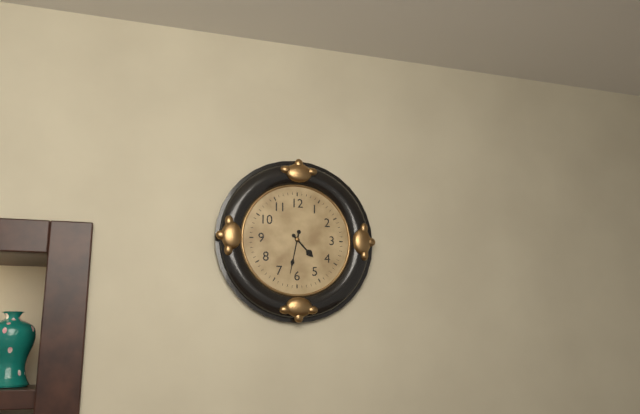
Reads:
{"hour": 4, "minute": 32}
